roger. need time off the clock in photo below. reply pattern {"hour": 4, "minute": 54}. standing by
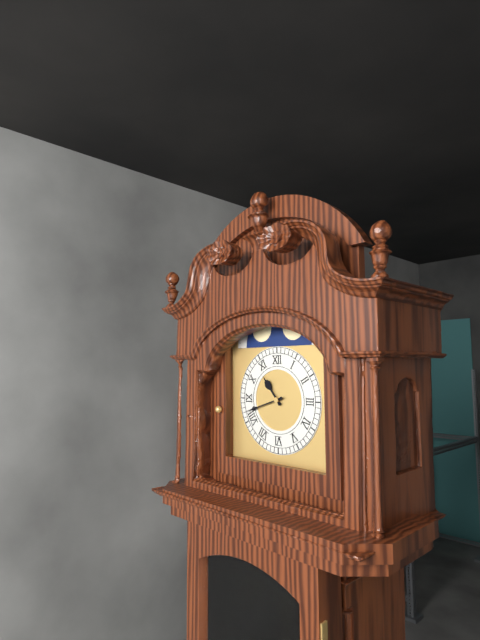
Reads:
{"hour": 10, "minute": 42}
